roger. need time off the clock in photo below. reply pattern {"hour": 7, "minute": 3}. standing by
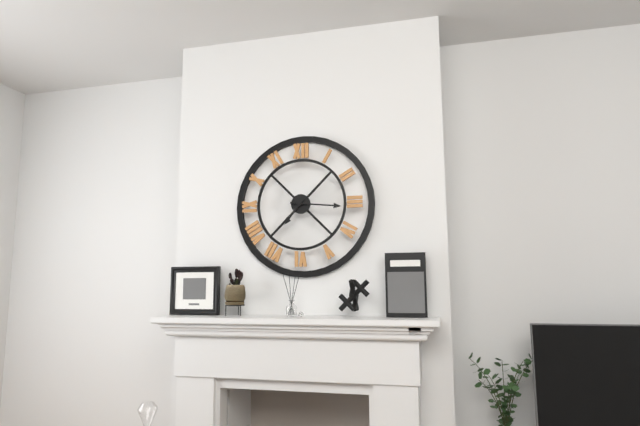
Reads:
{"hour": 7, "minute": 16}
